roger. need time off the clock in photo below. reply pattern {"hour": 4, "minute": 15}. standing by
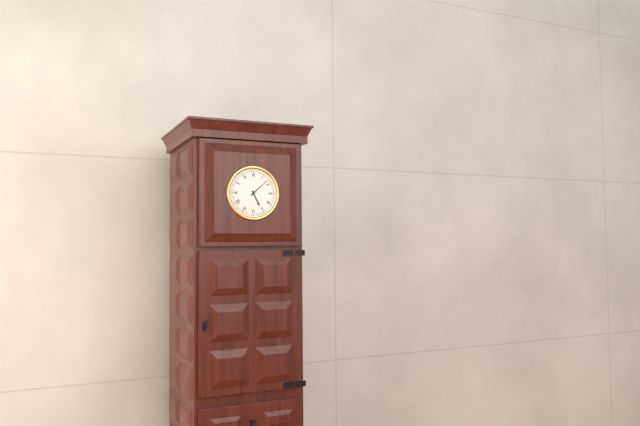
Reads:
{"hour": 5, "minute": 8}
